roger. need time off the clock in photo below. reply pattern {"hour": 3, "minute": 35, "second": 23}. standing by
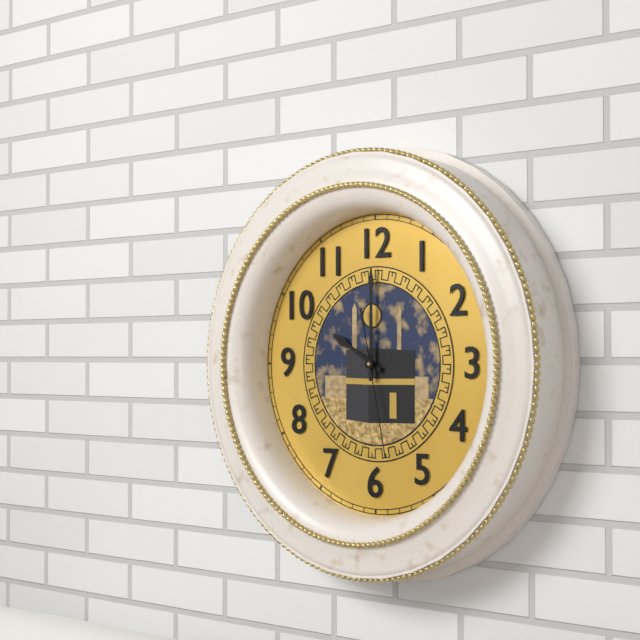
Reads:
{"hour": 10, "minute": 0, "second": 28}
